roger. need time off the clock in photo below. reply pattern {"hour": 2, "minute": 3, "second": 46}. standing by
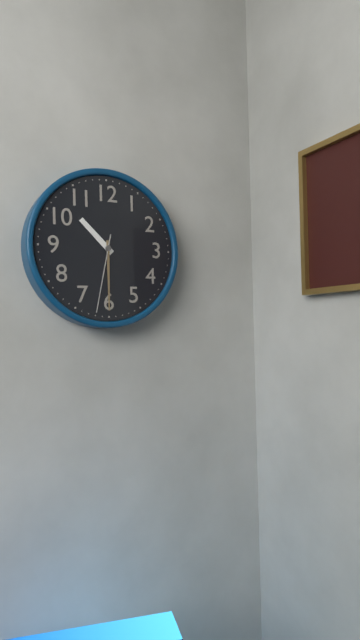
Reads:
{"hour": 10, "minute": 30, "second": 32}
